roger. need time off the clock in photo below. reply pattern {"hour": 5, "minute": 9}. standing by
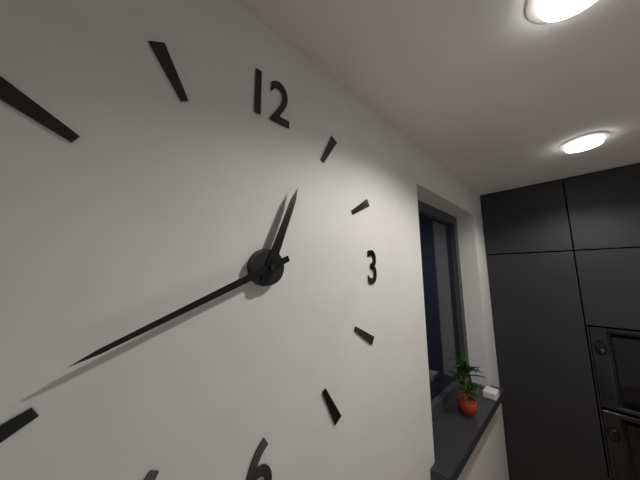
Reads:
{"hour": 12, "minute": 41}
